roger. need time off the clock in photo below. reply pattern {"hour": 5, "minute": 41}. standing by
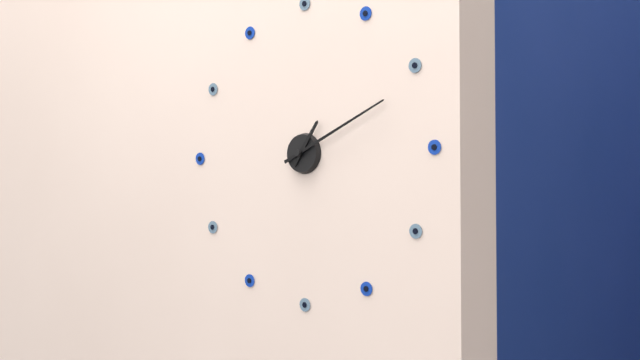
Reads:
{"hour": 1, "minute": 11}
